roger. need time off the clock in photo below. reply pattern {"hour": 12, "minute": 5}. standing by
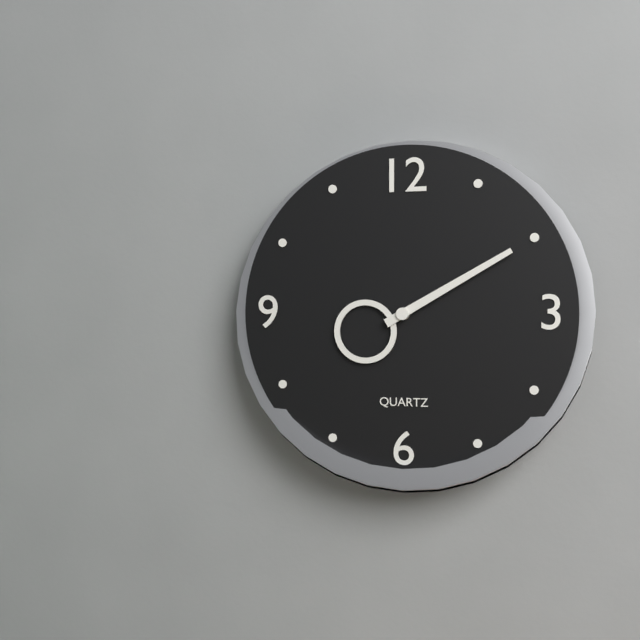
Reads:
{"hour": 8, "minute": 10}
